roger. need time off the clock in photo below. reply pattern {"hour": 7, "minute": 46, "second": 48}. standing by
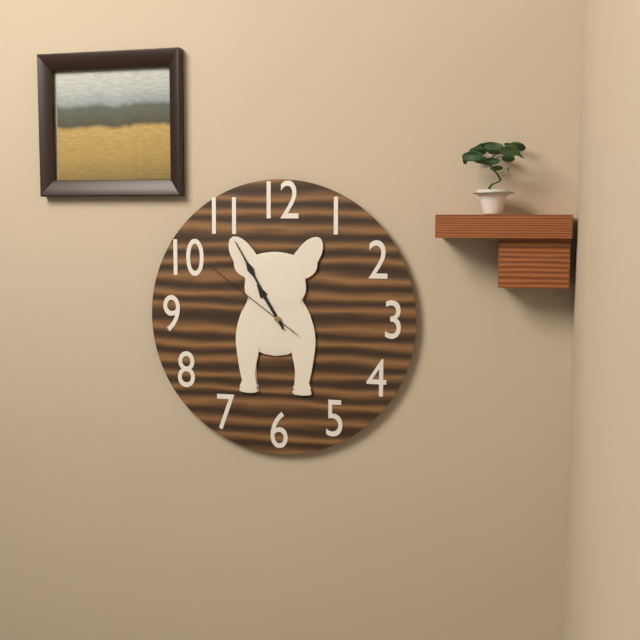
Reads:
{"hour": 10, "minute": 55, "second": 51}
